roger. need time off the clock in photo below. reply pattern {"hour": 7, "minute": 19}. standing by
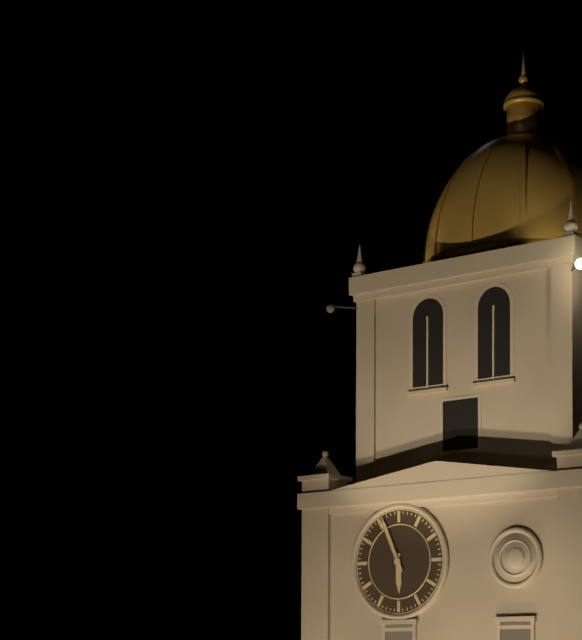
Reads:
{"hour": 5, "minute": 56}
